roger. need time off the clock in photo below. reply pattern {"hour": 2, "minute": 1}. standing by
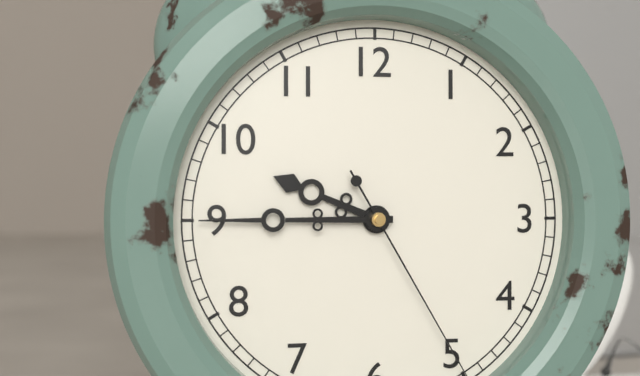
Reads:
{"hour": 9, "minute": 45}
